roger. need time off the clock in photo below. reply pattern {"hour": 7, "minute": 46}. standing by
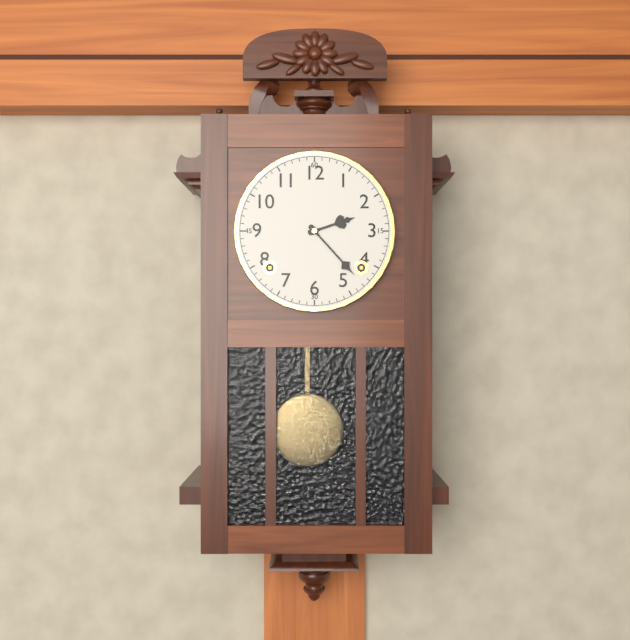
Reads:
{"hour": 2, "minute": 23}
